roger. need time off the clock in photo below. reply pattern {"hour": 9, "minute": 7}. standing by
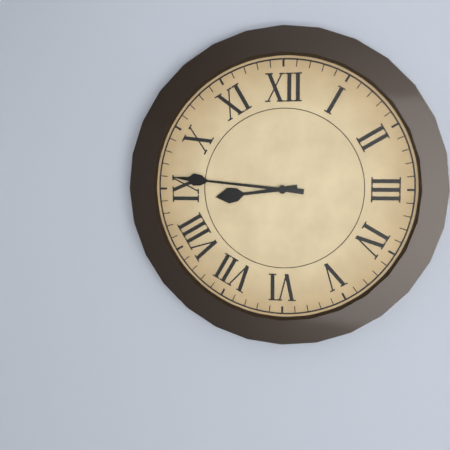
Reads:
{"hour": 8, "minute": 46}
